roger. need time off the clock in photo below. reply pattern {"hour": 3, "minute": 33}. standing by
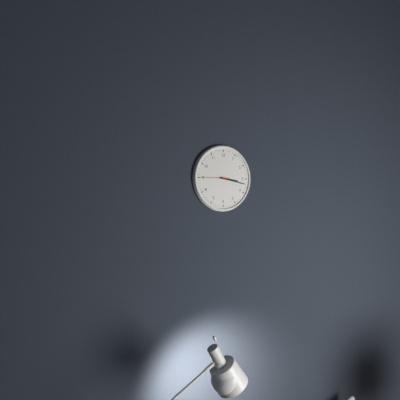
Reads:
{"hour": 3, "minute": 17}
